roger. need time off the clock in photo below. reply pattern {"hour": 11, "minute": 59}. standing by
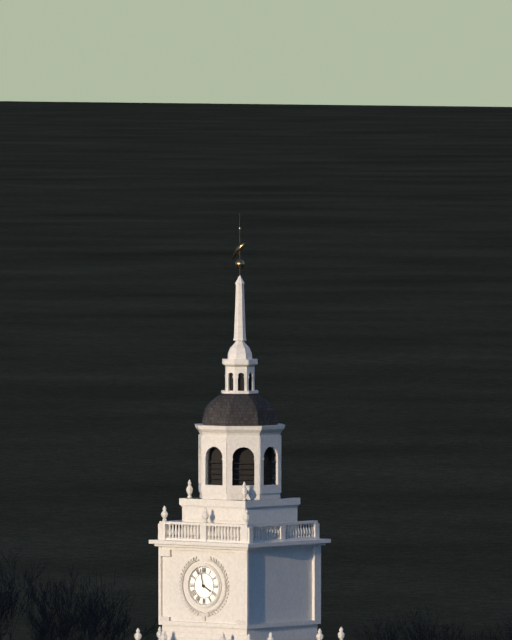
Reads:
{"hour": 3, "minute": 58}
